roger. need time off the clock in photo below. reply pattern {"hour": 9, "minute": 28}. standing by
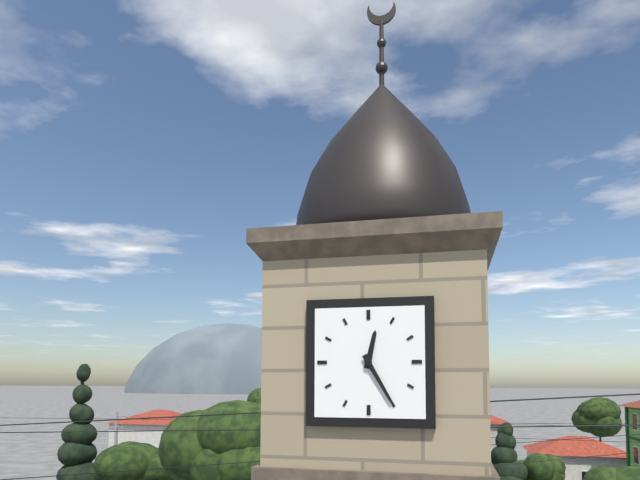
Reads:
{"hour": 12, "minute": 25}
